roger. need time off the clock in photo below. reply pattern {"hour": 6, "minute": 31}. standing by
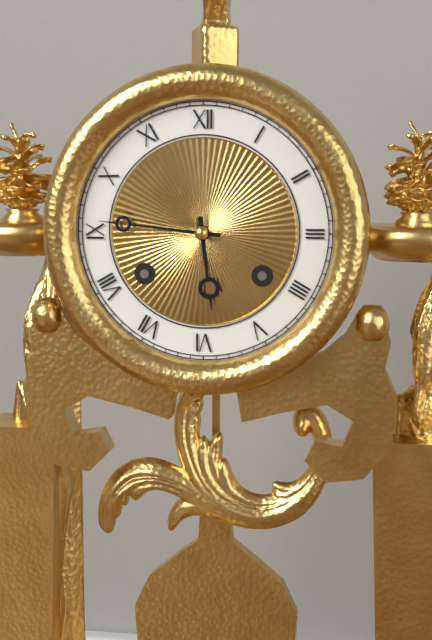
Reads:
{"hour": 5, "minute": 46}
